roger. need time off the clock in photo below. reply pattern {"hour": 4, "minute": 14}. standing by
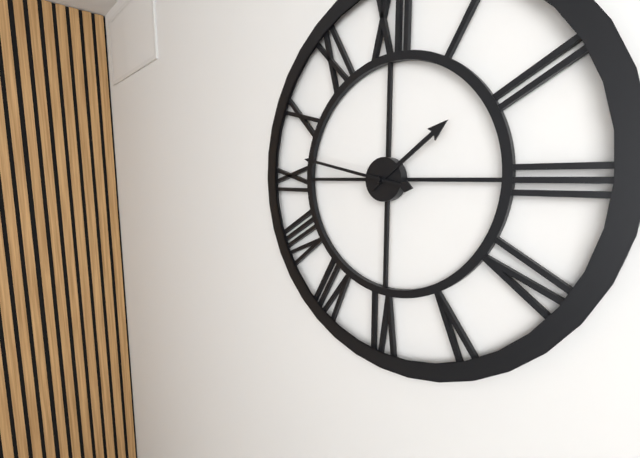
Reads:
{"hour": 1, "minute": 47}
